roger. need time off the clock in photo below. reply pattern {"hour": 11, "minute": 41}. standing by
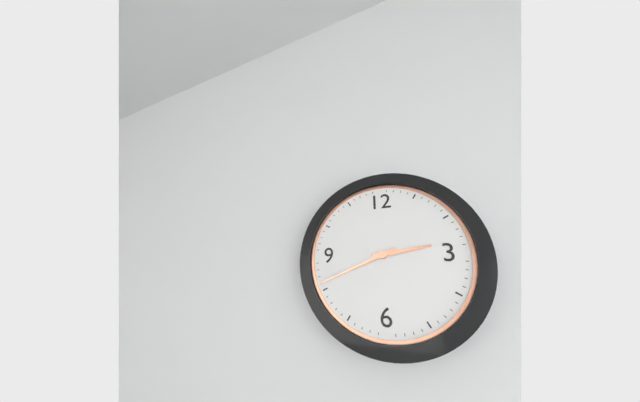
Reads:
{"hour": 2, "minute": 41}
